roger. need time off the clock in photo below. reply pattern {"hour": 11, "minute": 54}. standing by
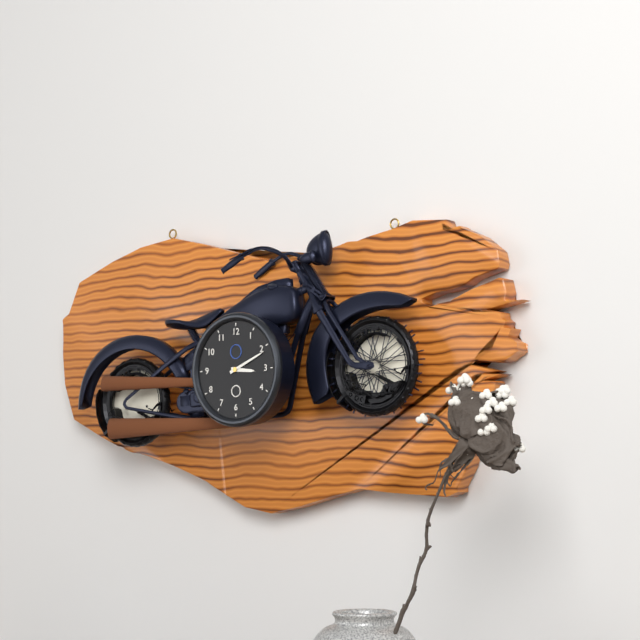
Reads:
{"hour": 3, "minute": 11}
